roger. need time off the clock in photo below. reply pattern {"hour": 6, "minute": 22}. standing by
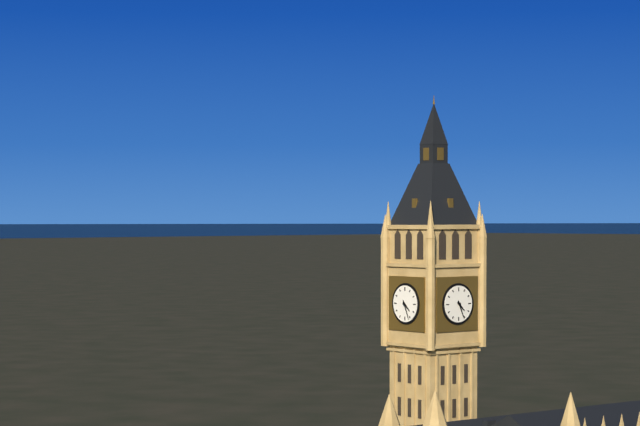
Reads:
{"hour": 4, "minute": 26}
